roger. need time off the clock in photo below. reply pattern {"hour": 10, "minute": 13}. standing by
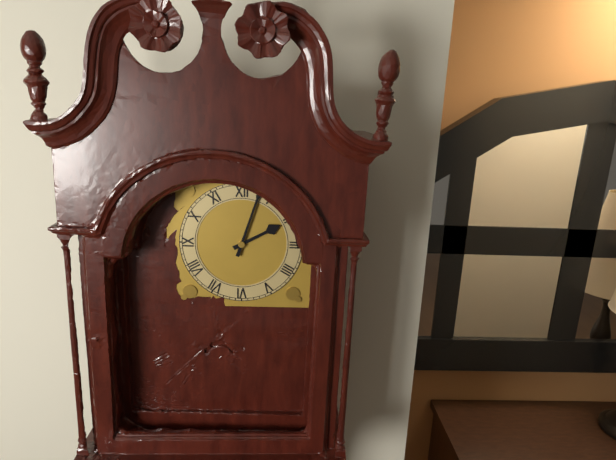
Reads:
{"hour": 2, "minute": 3}
